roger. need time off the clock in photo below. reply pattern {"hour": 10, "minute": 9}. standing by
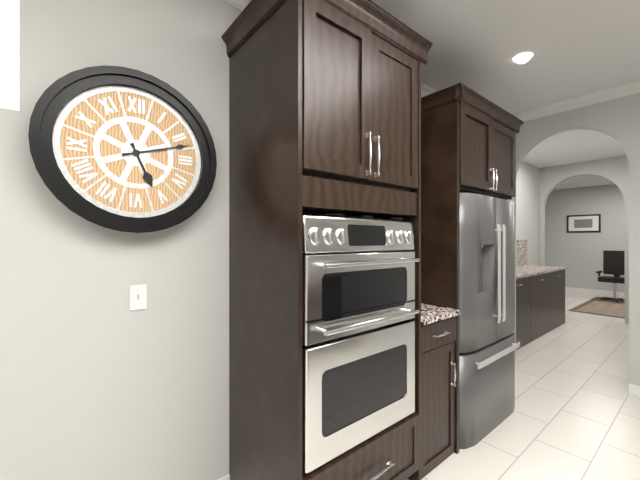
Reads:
{"hour": 5, "minute": 12}
